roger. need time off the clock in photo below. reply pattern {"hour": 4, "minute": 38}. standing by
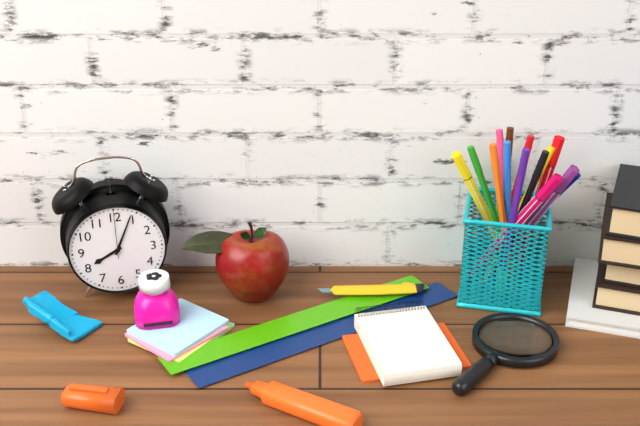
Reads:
{"hour": 8, "minute": 4}
